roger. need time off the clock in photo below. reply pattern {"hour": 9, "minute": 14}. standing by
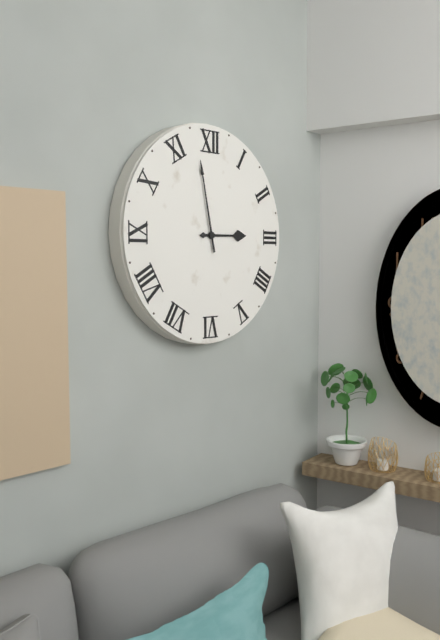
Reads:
{"hour": 2, "minute": 58}
